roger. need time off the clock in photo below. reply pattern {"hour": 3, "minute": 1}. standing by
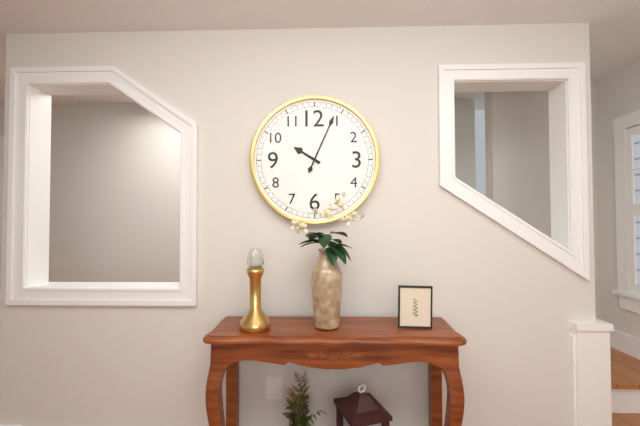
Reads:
{"hour": 10, "minute": 4}
